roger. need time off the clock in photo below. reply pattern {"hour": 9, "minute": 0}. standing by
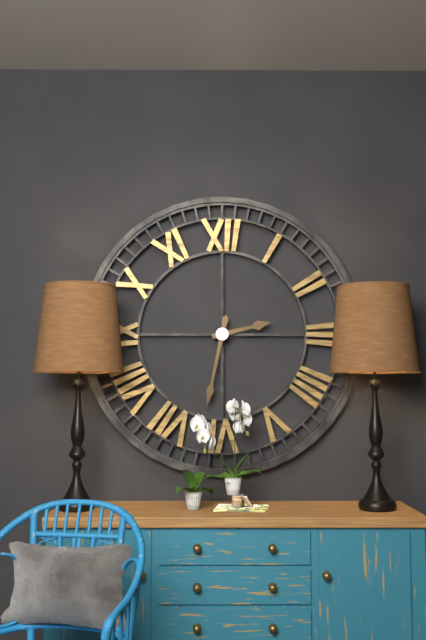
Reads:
{"hour": 2, "minute": 32}
